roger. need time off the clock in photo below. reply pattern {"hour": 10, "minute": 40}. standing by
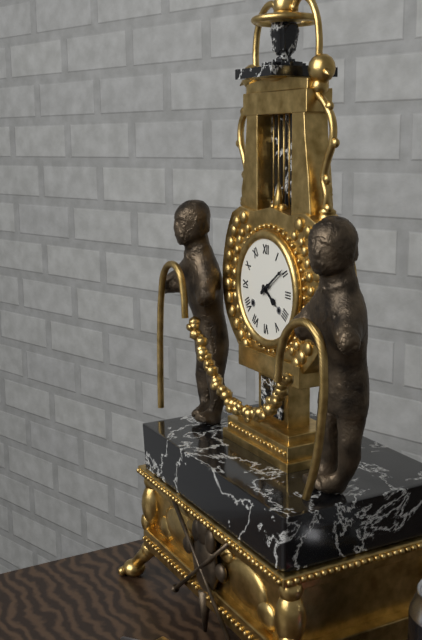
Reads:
{"hour": 4, "minute": 9}
